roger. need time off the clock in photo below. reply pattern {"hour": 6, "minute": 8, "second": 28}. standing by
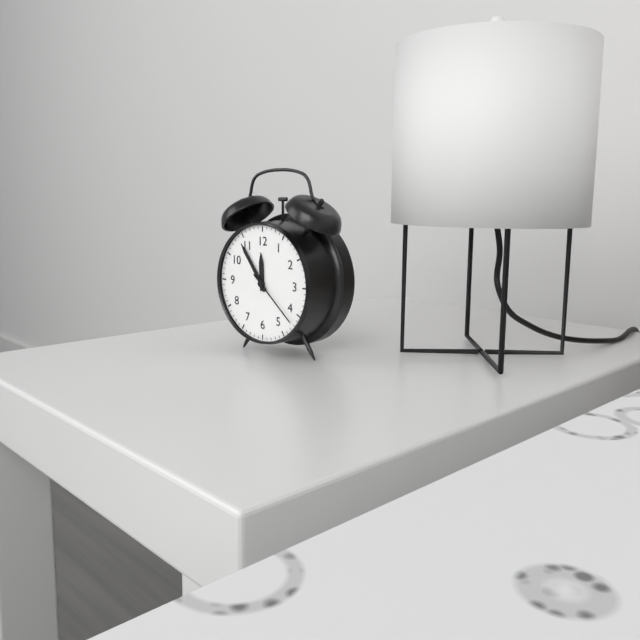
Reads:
{"hour": 11, "minute": 54, "second": 22}
